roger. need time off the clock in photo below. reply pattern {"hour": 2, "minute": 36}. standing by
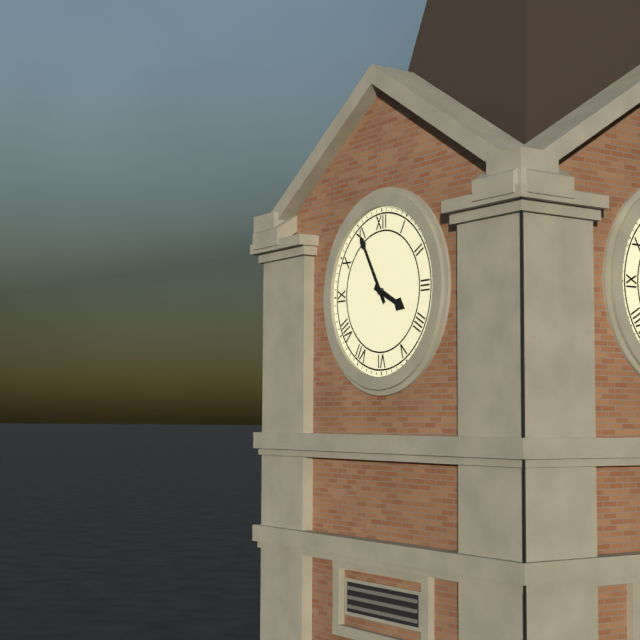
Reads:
{"hour": 3, "minute": 55}
